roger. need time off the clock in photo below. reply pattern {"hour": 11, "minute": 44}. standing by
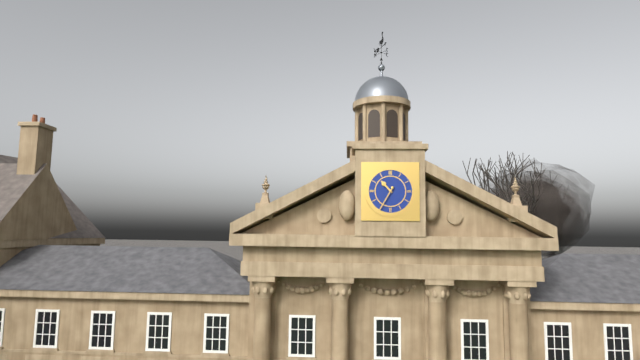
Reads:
{"hour": 10, "minute": 35}
